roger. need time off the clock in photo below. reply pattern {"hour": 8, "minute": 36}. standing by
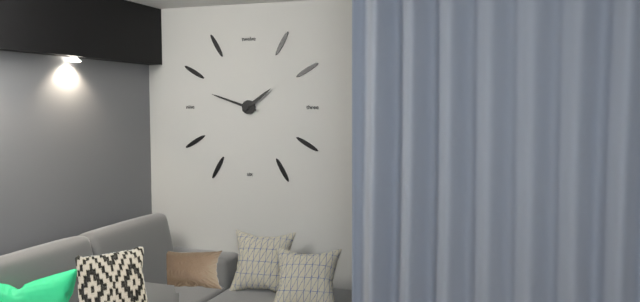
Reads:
{"hour": 1, "minute": 48}
